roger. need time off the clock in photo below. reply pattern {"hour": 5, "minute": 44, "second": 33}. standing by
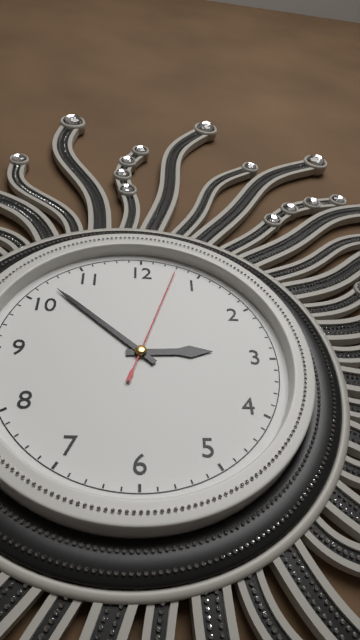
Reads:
{"hour": 2, "minute": 52, "second": 3}
